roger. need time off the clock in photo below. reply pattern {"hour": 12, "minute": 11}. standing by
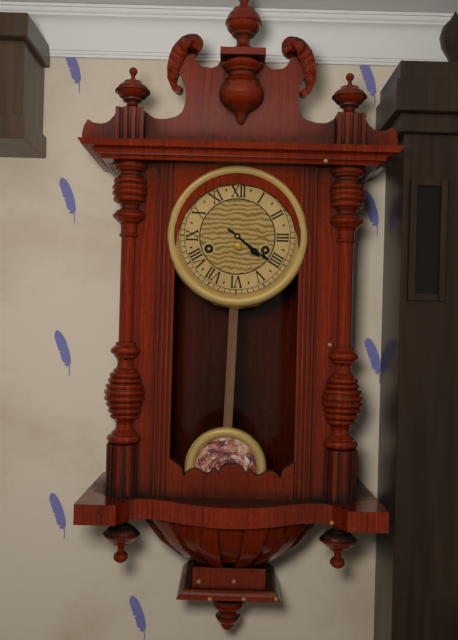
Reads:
{"hour": 4, "minute": 21}
